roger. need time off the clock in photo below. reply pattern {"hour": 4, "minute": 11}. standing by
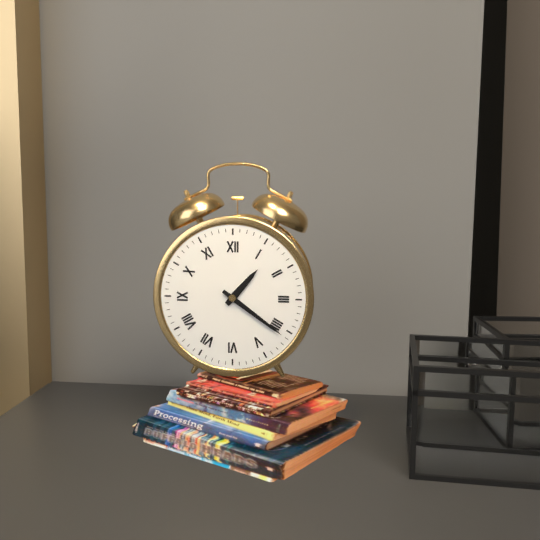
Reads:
{"hour": 1, "minute": 21}
